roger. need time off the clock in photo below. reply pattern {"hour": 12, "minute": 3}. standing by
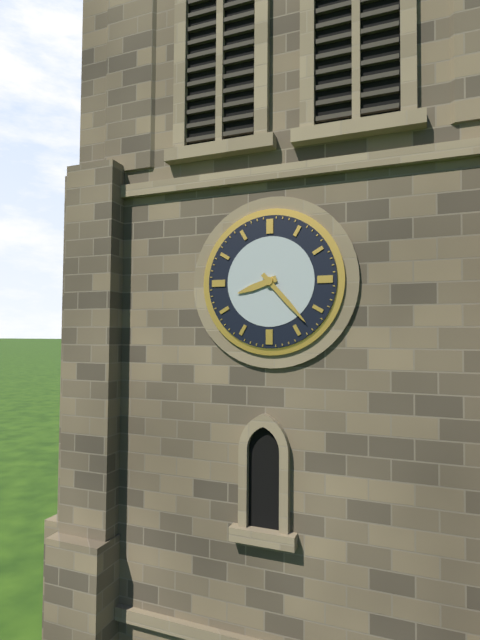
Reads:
{"hour": 8, "minute": 23}
